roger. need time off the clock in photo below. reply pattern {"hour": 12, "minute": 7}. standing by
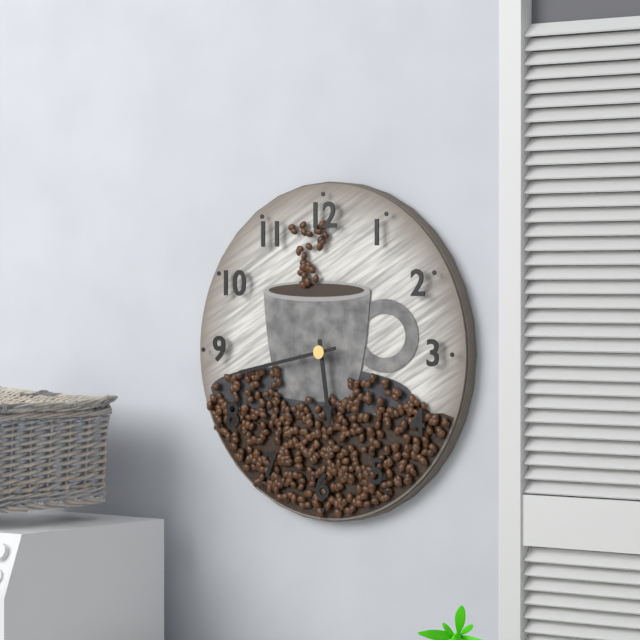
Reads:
{"hour": 5, "minute": 43}
